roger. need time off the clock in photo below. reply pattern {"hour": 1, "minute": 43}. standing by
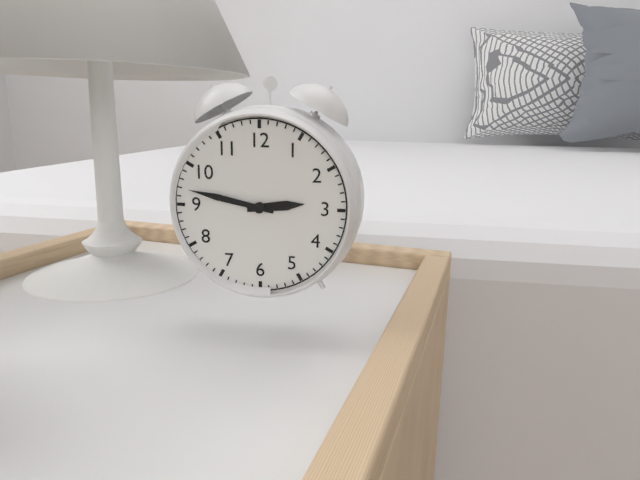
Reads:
{"hour": 2, "minute": 47}
